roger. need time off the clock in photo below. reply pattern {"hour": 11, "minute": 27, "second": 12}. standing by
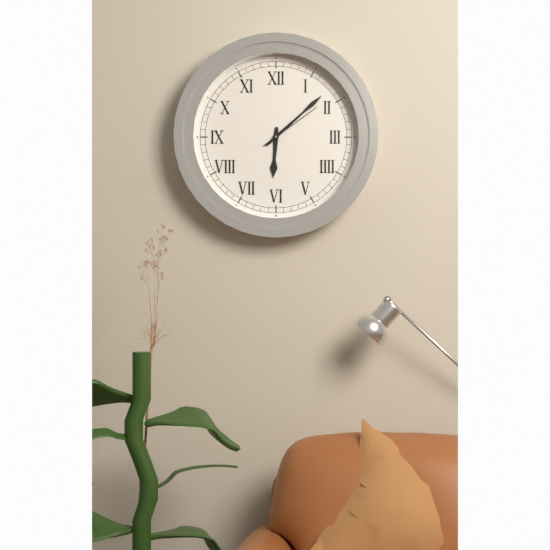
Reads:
{"hour": 6, "minute": 8, "second": 9}
